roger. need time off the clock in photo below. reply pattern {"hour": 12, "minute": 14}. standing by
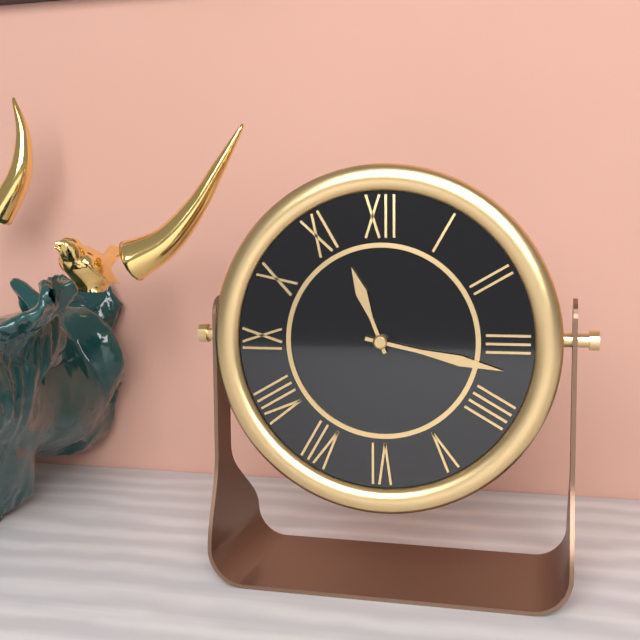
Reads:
{"hour": 11, "minute": 17}
